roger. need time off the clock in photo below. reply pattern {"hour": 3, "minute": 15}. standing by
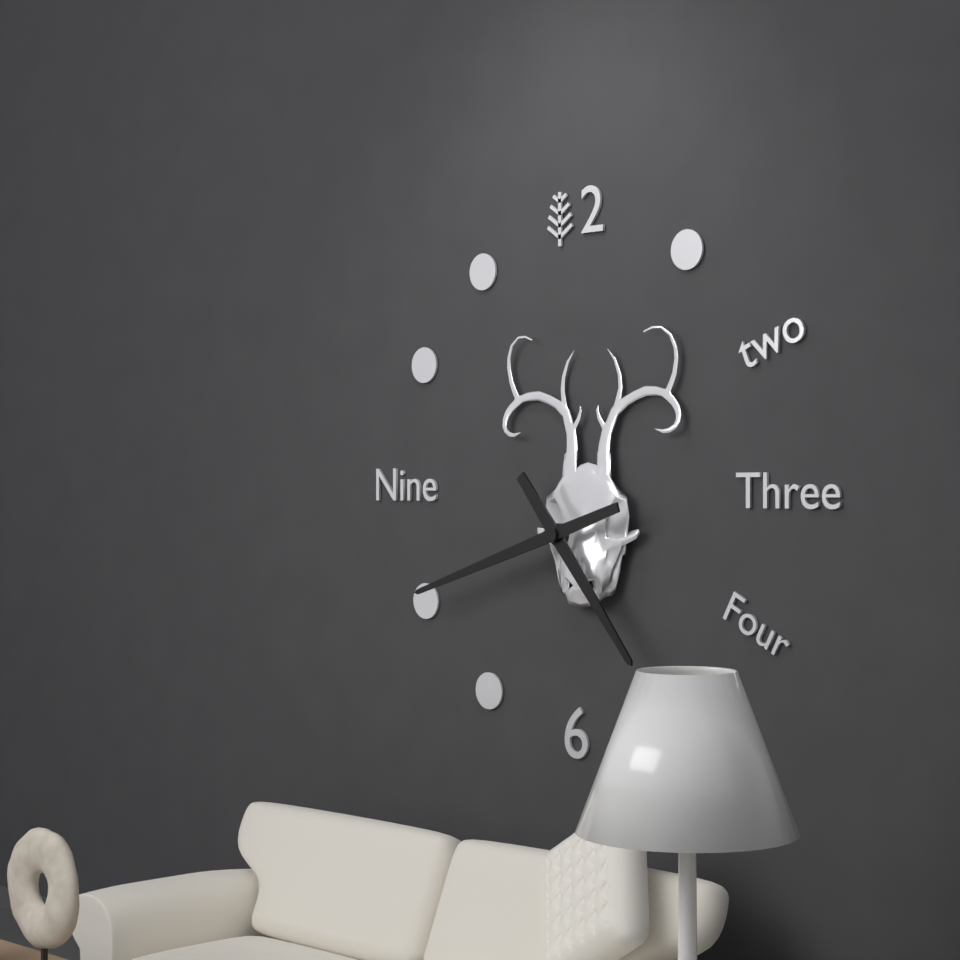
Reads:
{"hour": 4, "minute": 42}
